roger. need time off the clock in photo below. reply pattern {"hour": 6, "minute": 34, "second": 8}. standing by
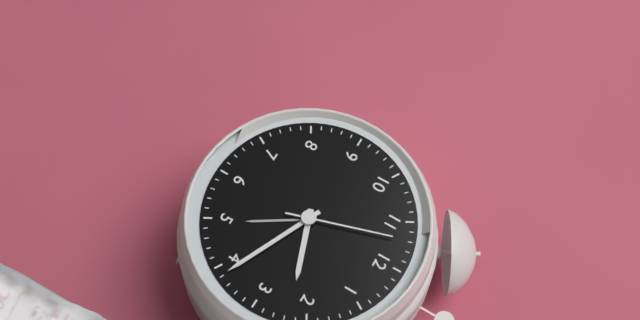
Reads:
{"hour": 2, "minute": 19, "second": 57}
